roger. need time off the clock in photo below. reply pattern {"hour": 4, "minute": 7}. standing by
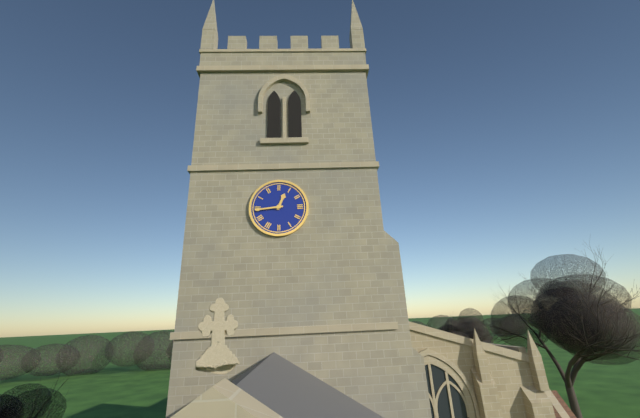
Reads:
{"hour": 12, "minute": 44}
